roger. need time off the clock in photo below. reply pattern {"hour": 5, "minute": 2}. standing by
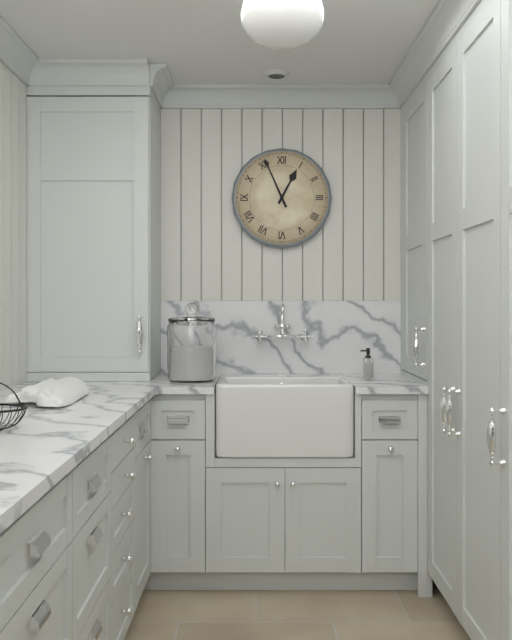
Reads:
{"hour": 12, "minute": 56}
